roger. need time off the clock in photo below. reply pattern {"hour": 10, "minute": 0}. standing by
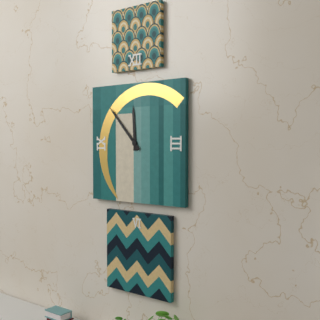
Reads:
{"hour": 11, "minute": 53}
